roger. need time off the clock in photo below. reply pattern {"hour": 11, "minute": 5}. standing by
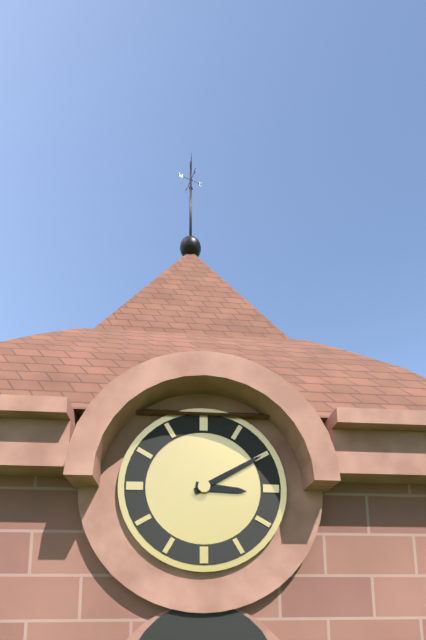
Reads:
{"hour": 3, "minute": 10}
